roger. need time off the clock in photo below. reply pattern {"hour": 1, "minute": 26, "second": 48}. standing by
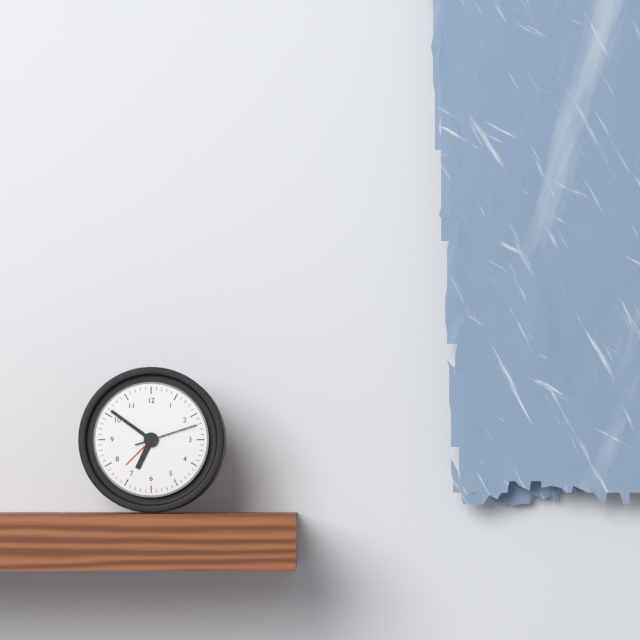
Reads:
{"hour": 6, "minute": 51, "second": 12}
